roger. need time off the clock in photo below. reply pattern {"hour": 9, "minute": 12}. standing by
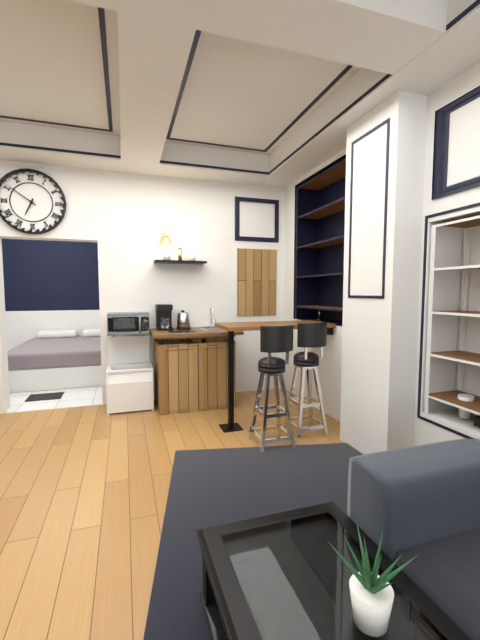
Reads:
{"hour": 6, "minute": 51}
